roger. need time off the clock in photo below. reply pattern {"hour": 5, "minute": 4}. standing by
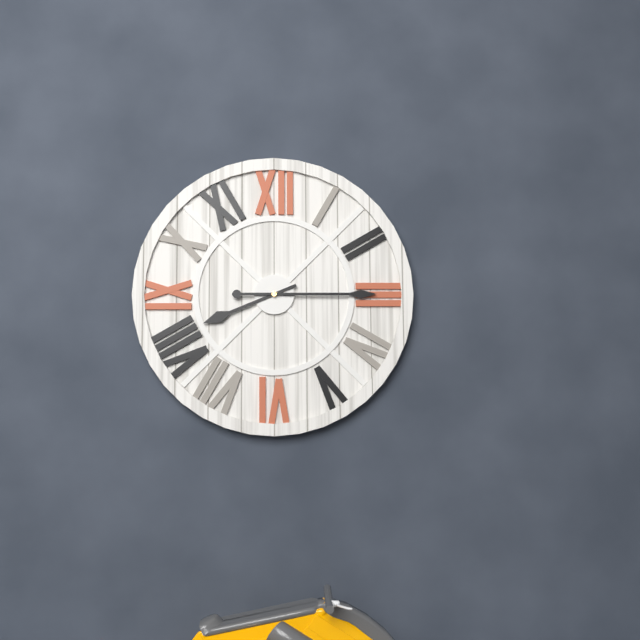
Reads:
{"hour": 8, "minute": 15}
